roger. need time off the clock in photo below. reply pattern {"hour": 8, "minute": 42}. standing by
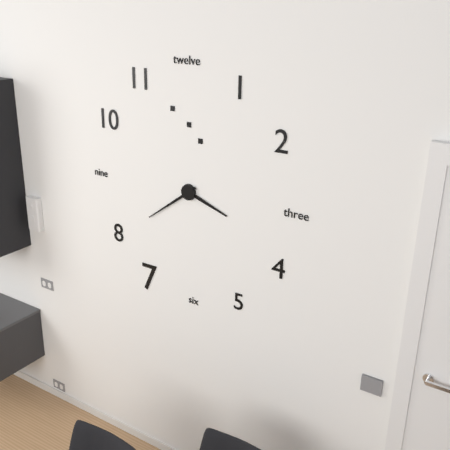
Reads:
{"hour": 3, "minute": 39}
